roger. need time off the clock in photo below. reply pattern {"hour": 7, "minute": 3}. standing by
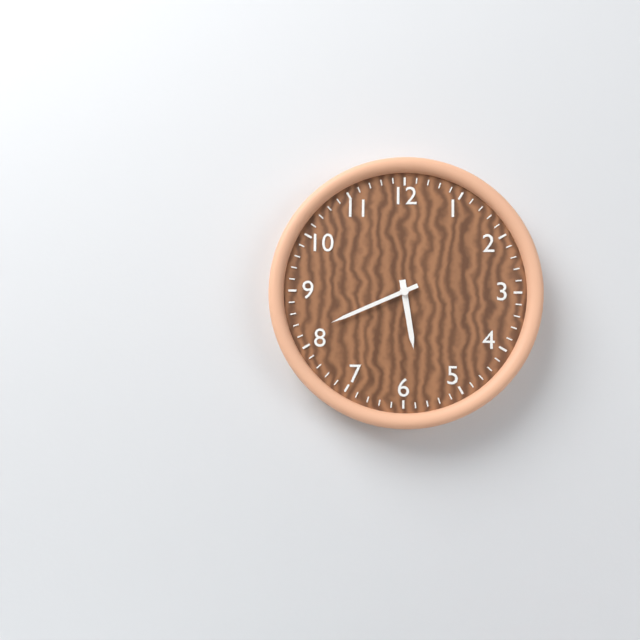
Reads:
{"hour": 5, "minute": 41}
